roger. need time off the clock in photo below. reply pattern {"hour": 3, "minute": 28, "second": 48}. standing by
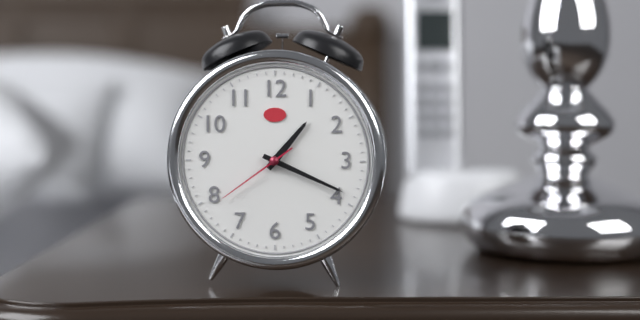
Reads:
{"hour": 1, "minute": 19, "second": 39}
